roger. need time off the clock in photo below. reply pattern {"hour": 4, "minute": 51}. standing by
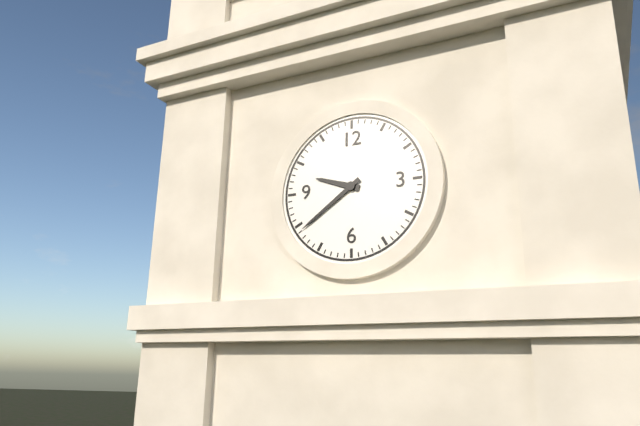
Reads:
{"hour": 9, "minute": 39}
